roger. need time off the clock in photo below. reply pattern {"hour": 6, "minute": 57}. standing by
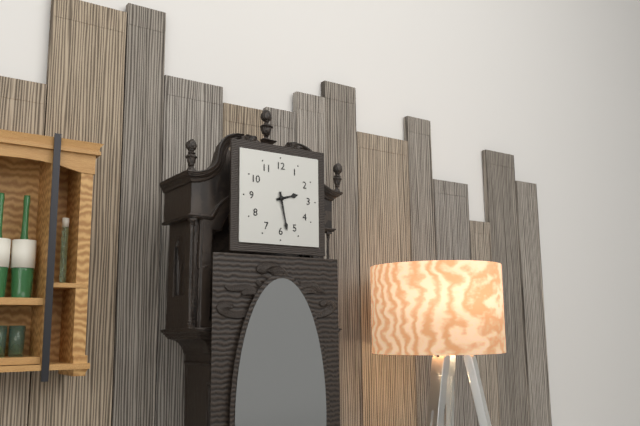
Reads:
{"hour": 2, "minute": 28}
